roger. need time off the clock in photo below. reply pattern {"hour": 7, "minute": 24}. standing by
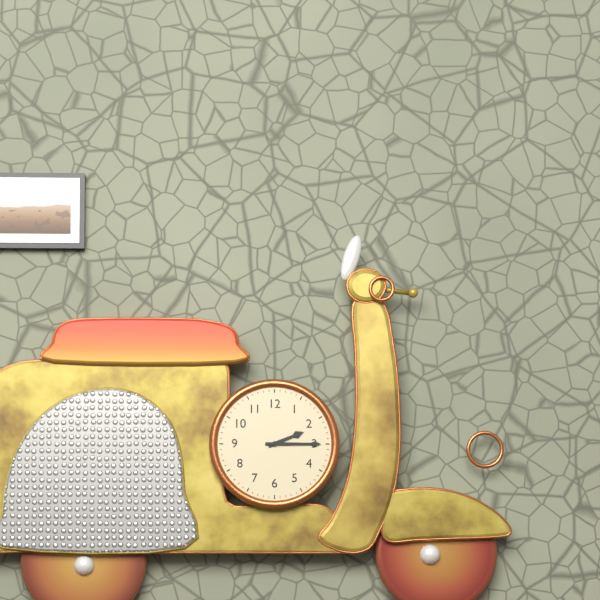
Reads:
{"hour": 2, "minute": 15}
